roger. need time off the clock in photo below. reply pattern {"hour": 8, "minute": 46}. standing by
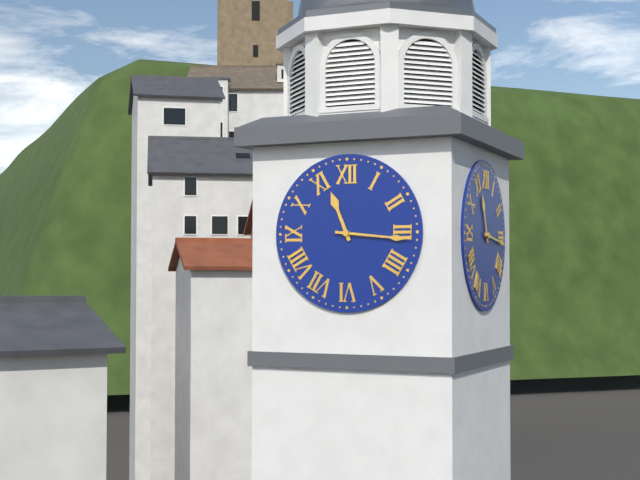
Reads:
{"hour": 11, "minute": 16}
